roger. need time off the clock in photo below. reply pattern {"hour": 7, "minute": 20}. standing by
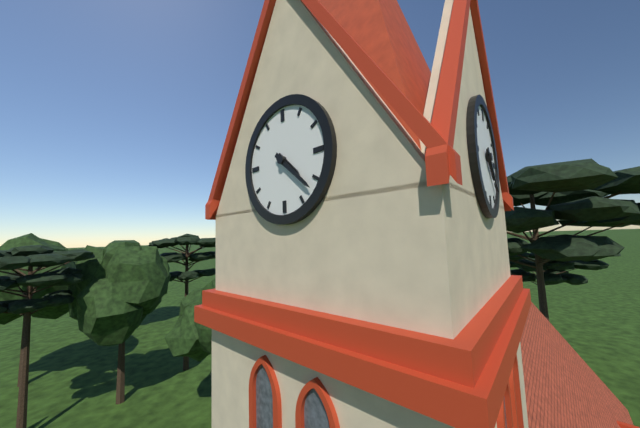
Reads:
{"hour": 4, "minute": 22}
